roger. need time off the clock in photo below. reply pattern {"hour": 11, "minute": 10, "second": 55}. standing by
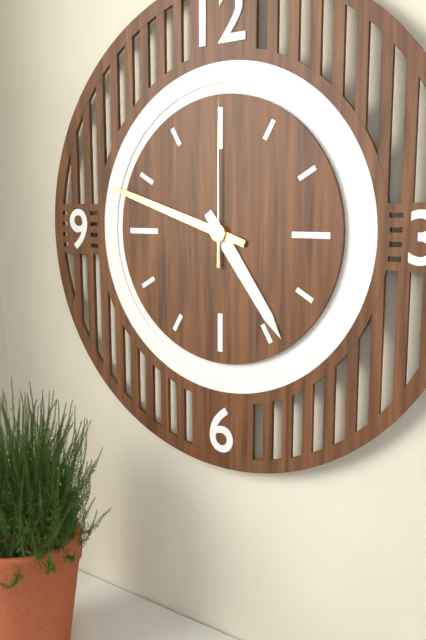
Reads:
{"hour": 4, "minute": 48, "second": 0}
